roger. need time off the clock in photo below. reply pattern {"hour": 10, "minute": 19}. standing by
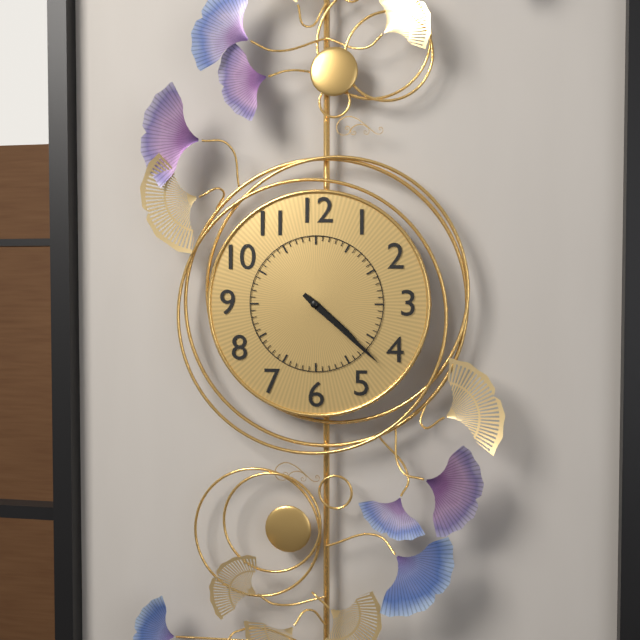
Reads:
{"hour": 4, "minute": 22}
